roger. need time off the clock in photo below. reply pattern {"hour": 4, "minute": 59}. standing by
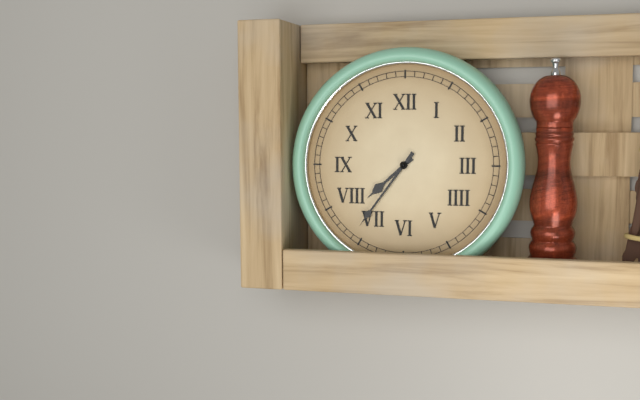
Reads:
{"hour": 7, "minute": 36}
